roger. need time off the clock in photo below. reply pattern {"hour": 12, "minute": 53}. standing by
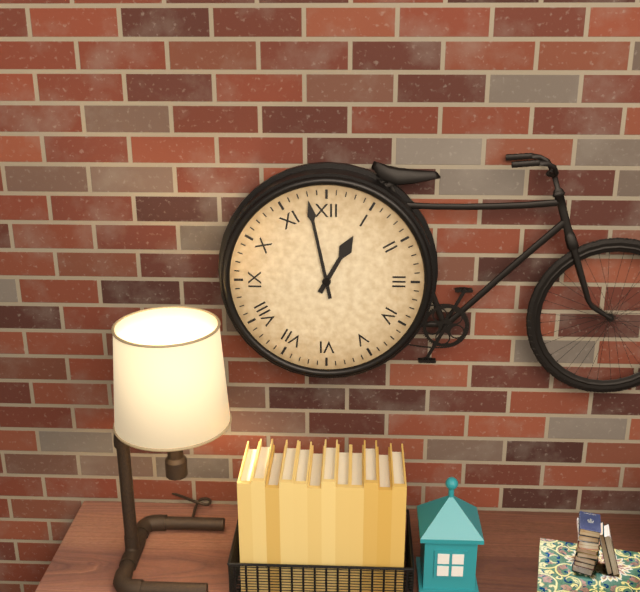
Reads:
{"hour": 12, "minute": 58}
